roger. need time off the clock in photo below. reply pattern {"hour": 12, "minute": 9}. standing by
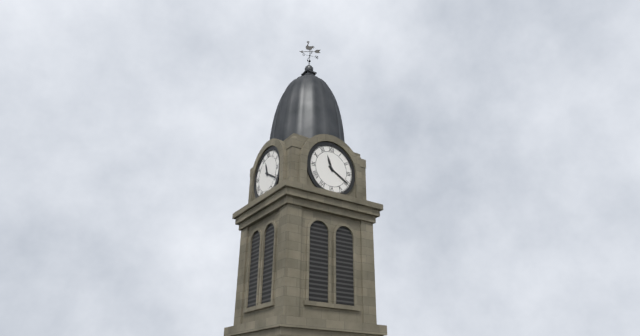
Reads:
{"hour": 11, "minute": 20}
